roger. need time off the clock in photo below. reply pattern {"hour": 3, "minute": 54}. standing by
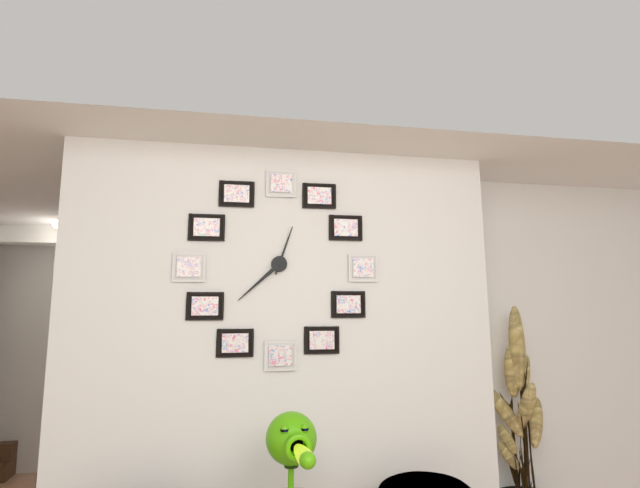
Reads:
{"hour": 12, "minute": 38}
